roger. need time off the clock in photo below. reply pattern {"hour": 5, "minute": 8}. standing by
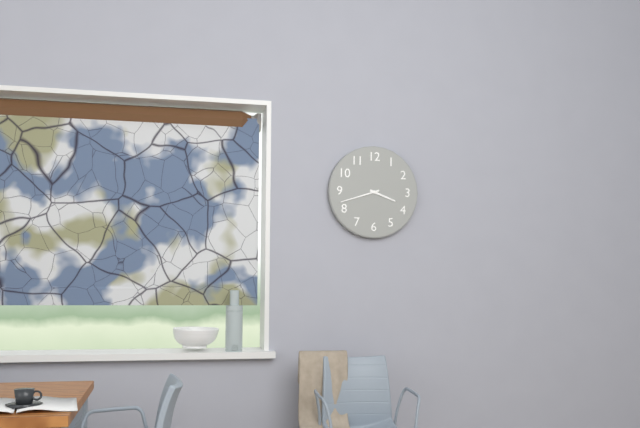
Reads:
{"hour": 3, "minute": 42}
